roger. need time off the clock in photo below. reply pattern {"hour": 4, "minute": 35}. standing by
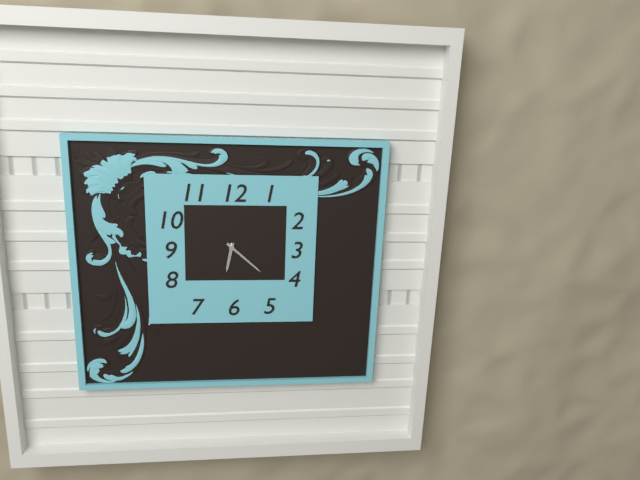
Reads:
{"hour": 6, "minute": 22}
